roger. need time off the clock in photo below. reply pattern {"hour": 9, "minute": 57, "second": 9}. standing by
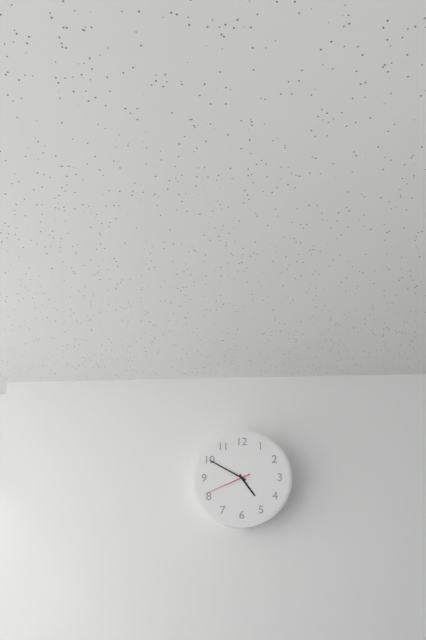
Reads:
{"hour": 4, "minute": 50, "second": 41}
